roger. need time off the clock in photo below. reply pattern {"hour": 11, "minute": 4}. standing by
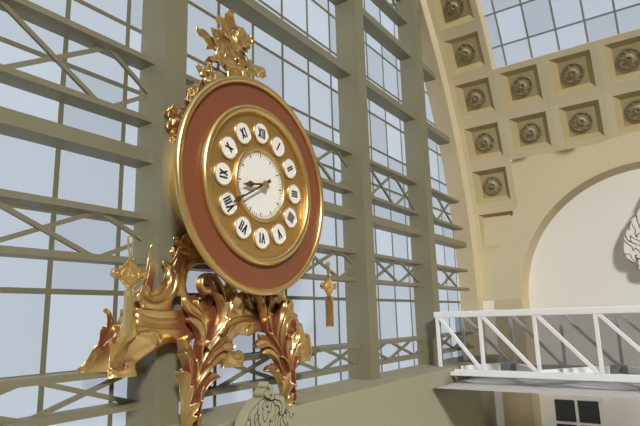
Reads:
{"hour": 8, "minute": 40}
